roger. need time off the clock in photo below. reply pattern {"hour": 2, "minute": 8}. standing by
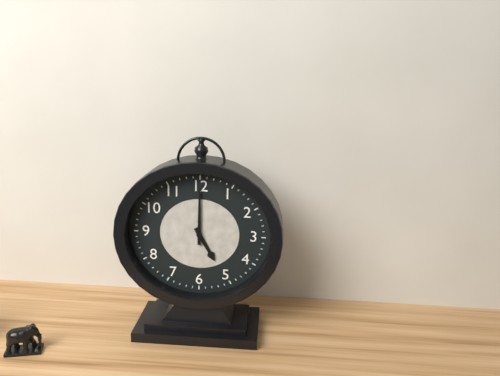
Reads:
{"hour": 5, "minute": 0}
